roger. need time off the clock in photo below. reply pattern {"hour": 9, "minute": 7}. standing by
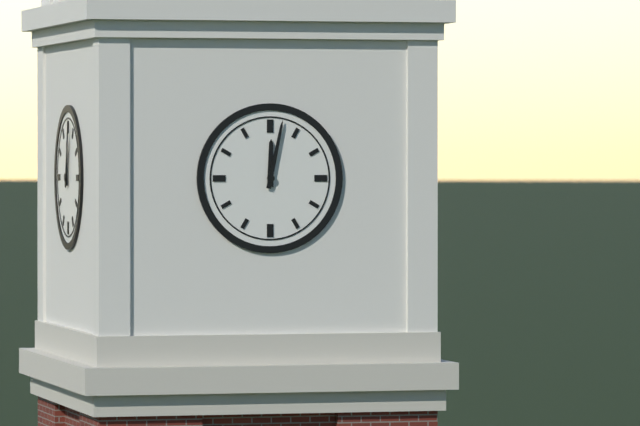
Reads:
{"hour": 12, "minute": 2}
